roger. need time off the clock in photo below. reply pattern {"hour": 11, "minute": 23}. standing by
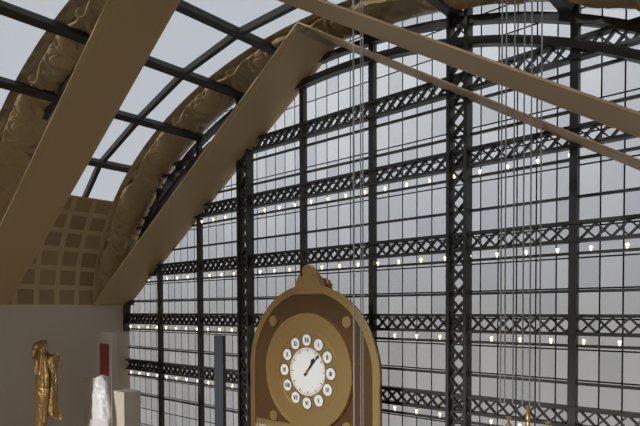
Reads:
{"hour": 1, "minute": 7}
